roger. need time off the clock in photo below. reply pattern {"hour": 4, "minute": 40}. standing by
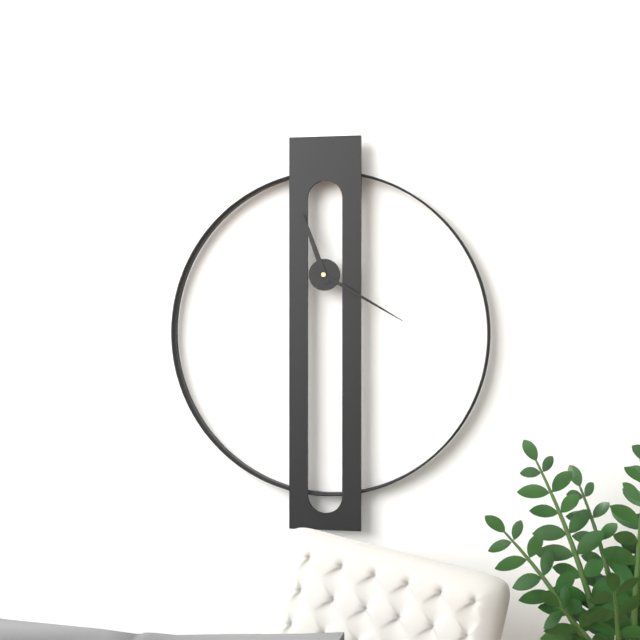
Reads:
{"hour": 11, "minute": 20}
